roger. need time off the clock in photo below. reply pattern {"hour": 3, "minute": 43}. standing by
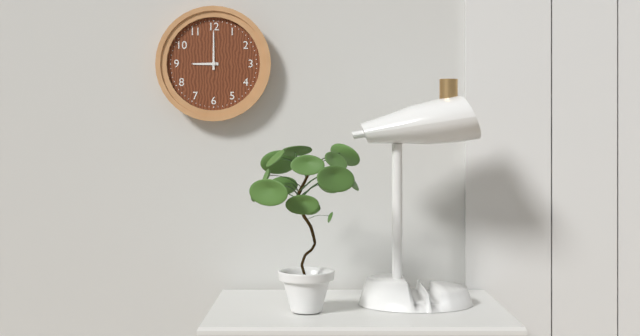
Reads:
{"hour": 9, "minute": 0}
